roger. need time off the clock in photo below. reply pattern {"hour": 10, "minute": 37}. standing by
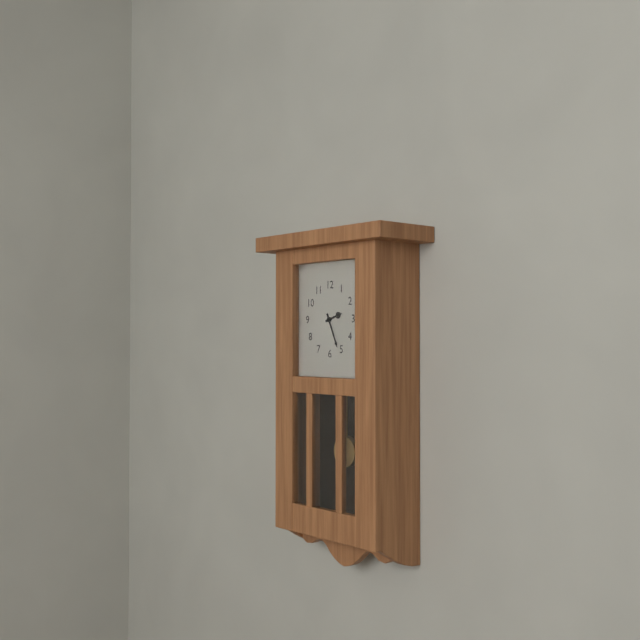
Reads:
{"hour": 2, "minute": 26}
